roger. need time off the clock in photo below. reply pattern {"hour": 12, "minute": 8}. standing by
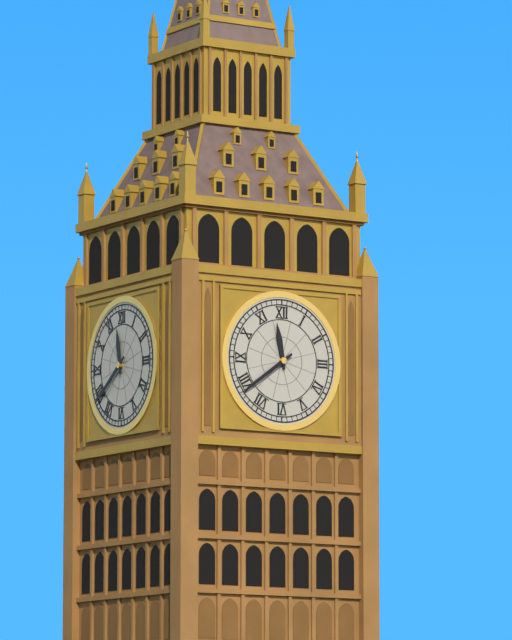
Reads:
{"hour": 11, "minute": 39}
